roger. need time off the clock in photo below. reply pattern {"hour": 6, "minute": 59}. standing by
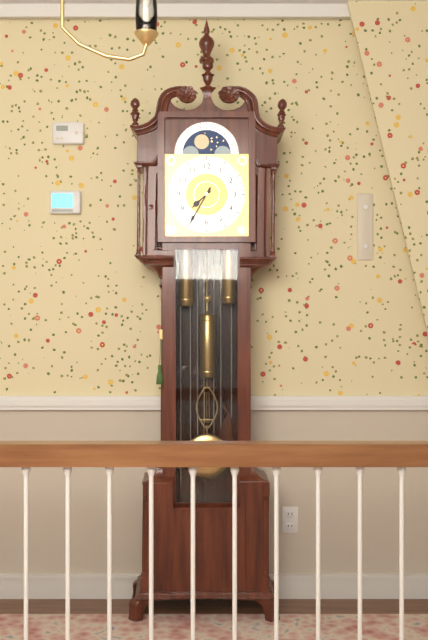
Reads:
{"hour": 7, "minute": 35}
